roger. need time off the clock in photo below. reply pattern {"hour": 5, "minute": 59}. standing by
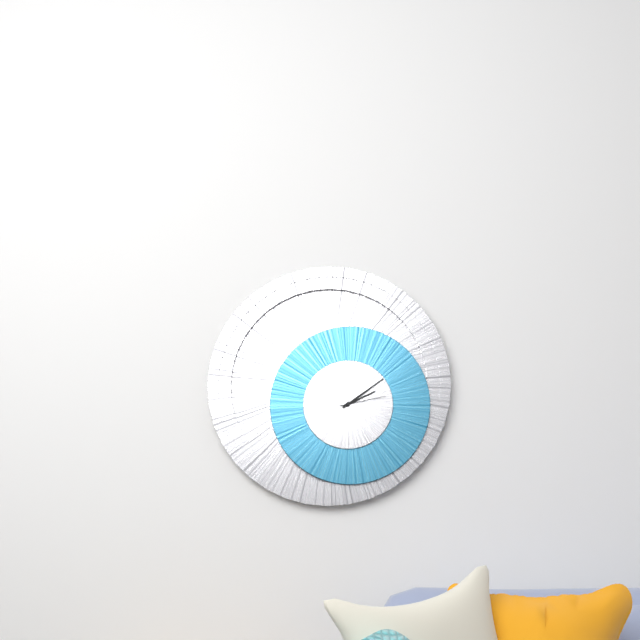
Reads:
{"hour": 2, "minute": 9}
